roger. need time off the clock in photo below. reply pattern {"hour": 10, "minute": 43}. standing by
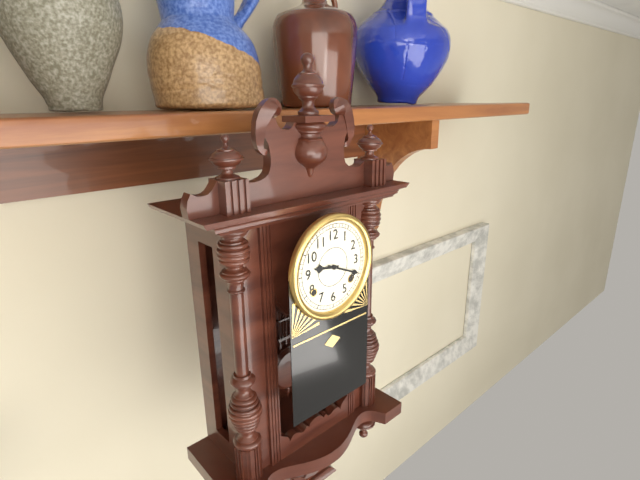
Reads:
{"hour": 9, "minute": 19}
